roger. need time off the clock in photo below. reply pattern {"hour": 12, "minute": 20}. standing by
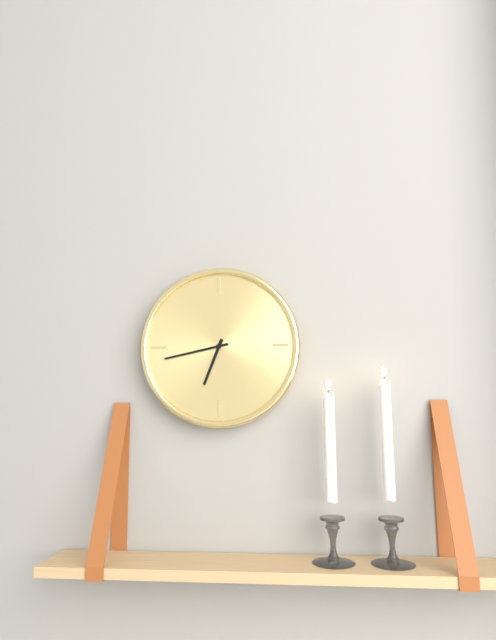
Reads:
{"hour": 6, "minute": 43}
